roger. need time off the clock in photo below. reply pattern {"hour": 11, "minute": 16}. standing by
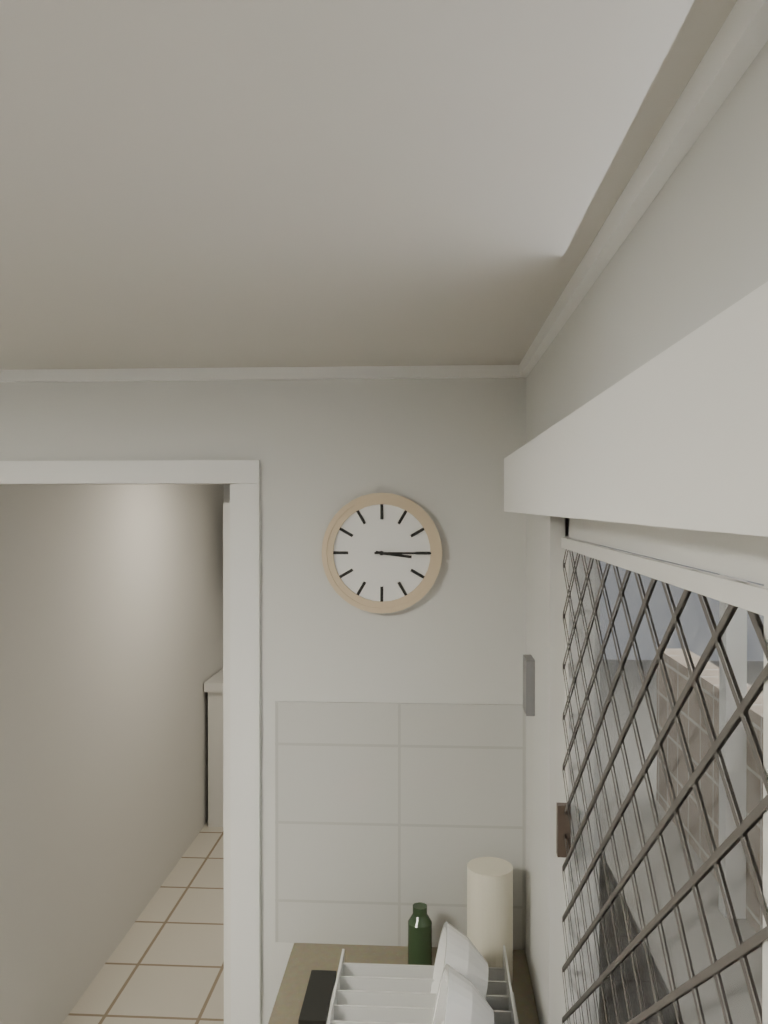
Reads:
{"hour": 3, "minute": 15}
